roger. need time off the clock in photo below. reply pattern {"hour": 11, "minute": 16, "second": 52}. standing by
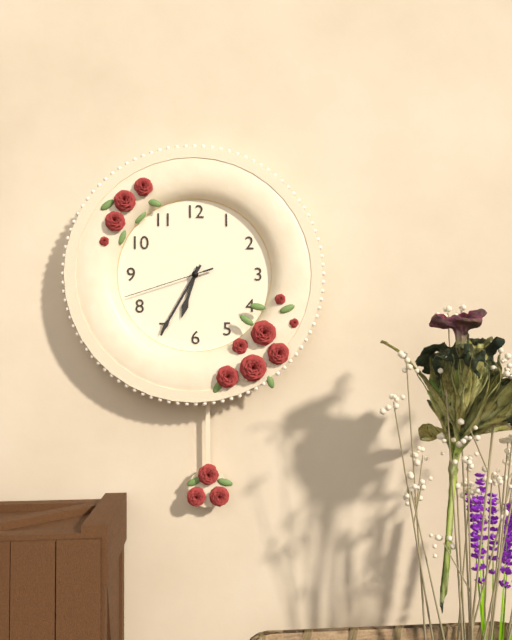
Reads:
{"hour": 6, "minute": 35, "second": 42}
